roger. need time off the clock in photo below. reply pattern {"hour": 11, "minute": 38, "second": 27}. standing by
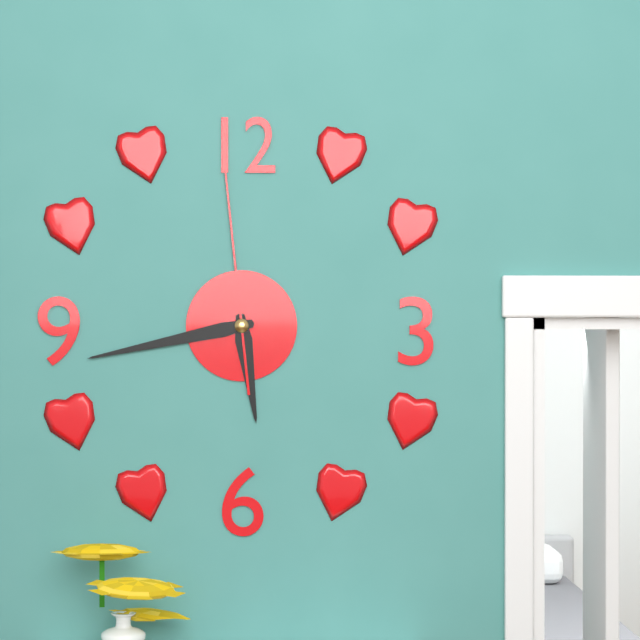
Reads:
{"hour": 5, "minute": 43, "second": 59}
